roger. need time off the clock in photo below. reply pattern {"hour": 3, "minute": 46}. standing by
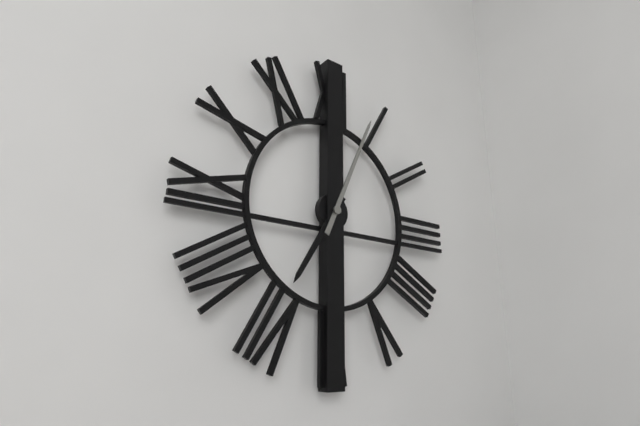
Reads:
{"hour": 7, "minute": 4}
